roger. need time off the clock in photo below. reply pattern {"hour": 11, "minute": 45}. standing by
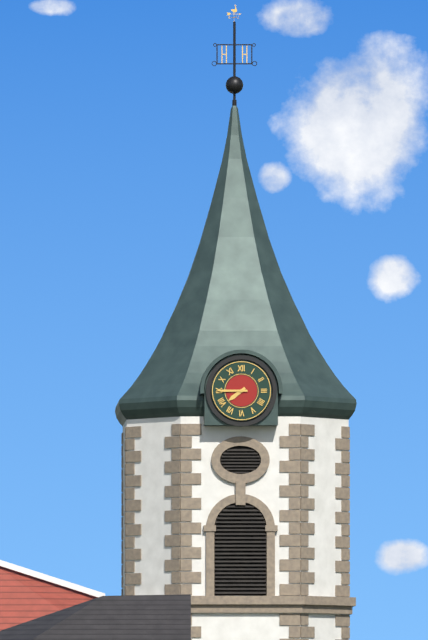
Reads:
{"hour": 7, "minute": 45}
